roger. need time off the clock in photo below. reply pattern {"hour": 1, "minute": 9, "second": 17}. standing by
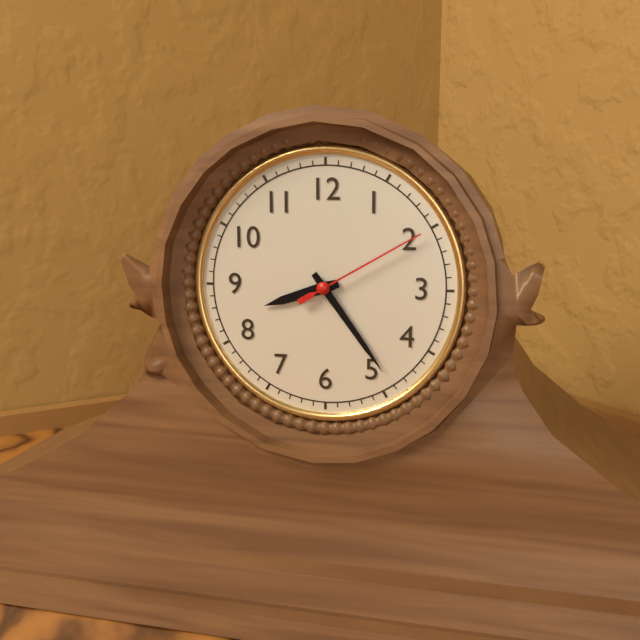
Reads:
{"hour": 8, "minute": 24, "second": 10}
